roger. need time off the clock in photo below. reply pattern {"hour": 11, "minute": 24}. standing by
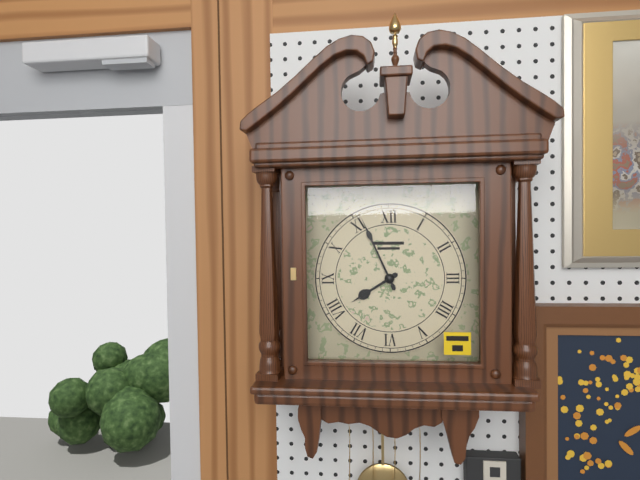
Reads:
{"hour": 7, "minute": 56}
